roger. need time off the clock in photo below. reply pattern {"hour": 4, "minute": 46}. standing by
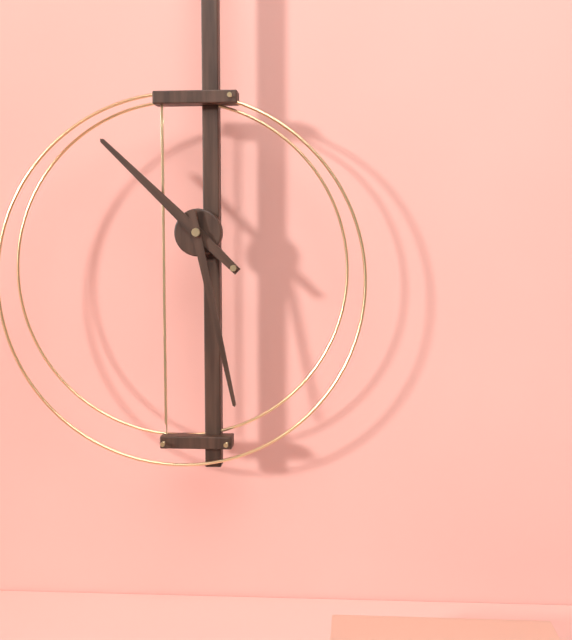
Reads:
{"hour": 10, "minute": 28}
